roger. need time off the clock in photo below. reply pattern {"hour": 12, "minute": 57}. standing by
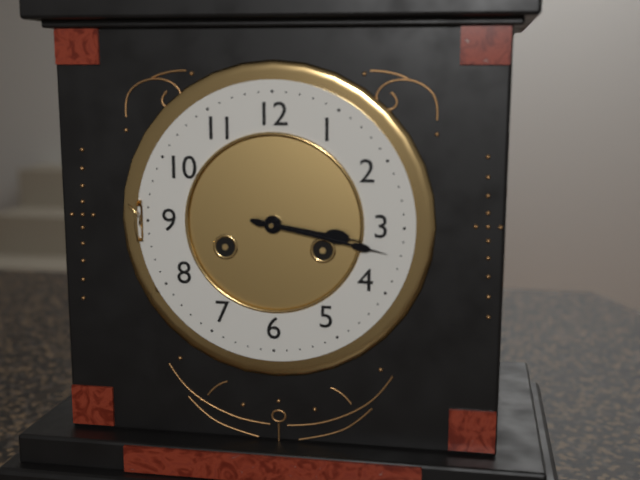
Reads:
{"hour": 3, "minute": 17}
